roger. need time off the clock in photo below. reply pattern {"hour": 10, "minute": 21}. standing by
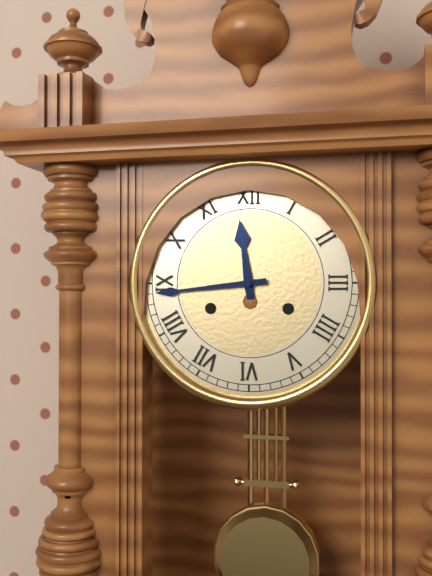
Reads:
{"hour": 11, "minute": 44}
